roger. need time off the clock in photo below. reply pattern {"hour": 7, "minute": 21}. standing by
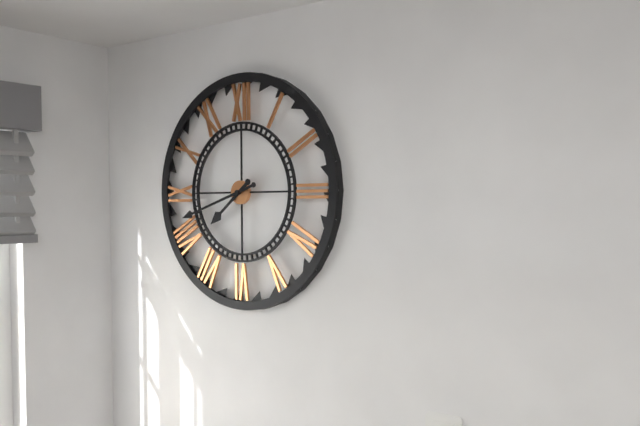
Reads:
{"hour": 7, "minute": 42}
